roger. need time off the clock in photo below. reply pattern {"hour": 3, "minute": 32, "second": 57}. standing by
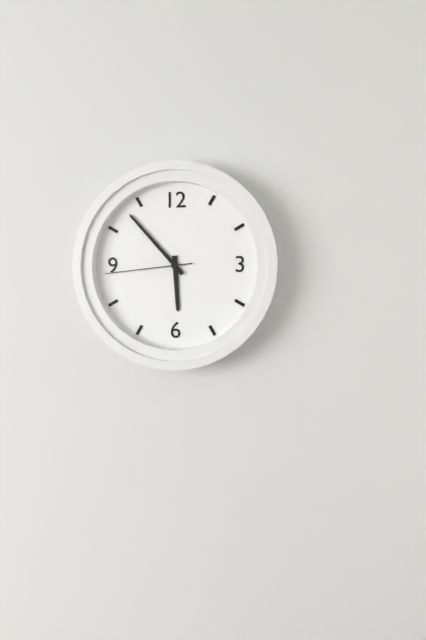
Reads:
{"hour": 5, "minute": 53, "second": 44}
